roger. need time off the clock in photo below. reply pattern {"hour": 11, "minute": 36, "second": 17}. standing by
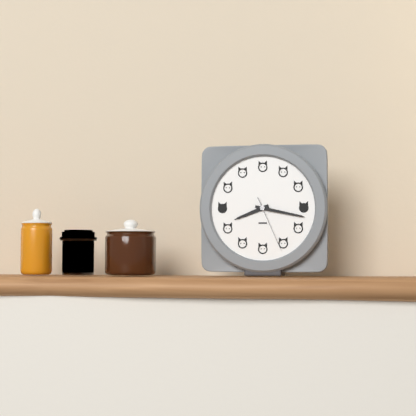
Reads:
{"hour": 8, "minute": 17, "second": 26}
